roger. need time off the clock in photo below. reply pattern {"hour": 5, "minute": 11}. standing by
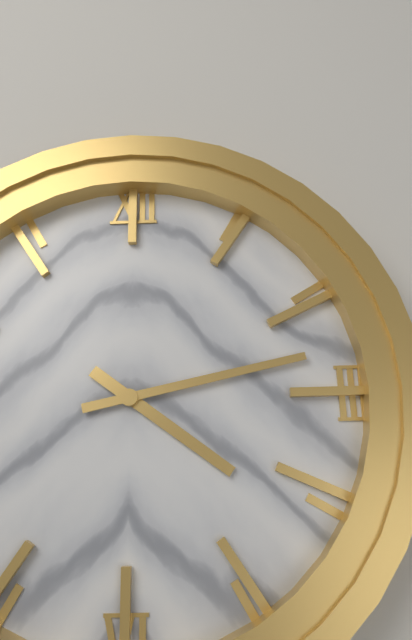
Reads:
{"hour": 4, "minute": 13}
